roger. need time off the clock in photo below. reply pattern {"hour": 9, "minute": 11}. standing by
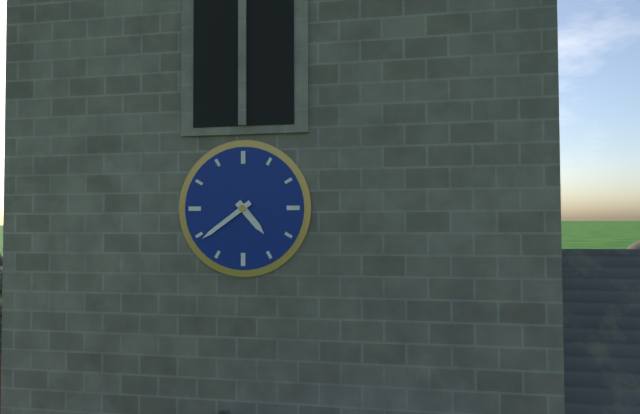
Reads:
{"hour": 4, "minute": 39}
